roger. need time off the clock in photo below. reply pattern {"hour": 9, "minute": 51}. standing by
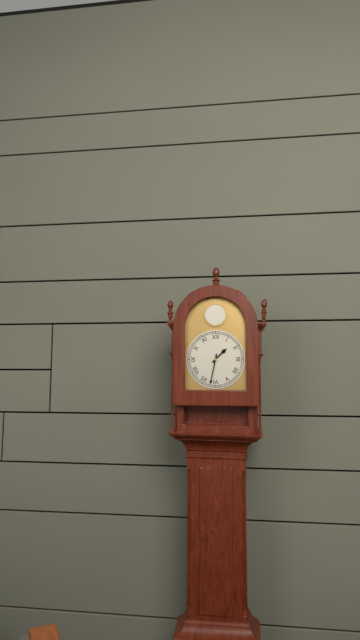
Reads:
{"hour": 1, "minute": 32}
